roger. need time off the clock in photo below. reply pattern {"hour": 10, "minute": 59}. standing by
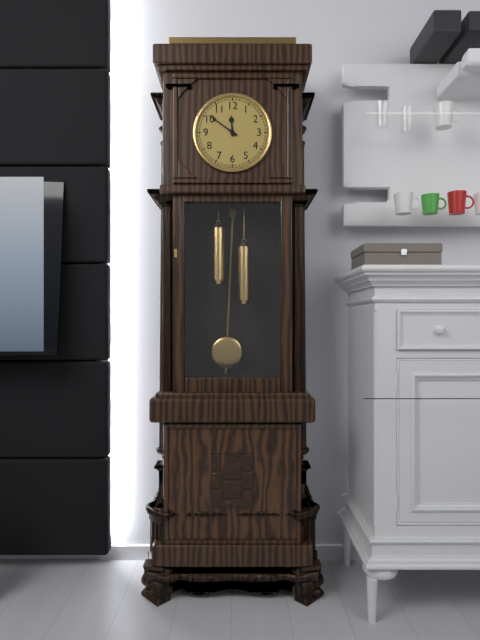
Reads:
{"hour": 11, "minute": 51}
